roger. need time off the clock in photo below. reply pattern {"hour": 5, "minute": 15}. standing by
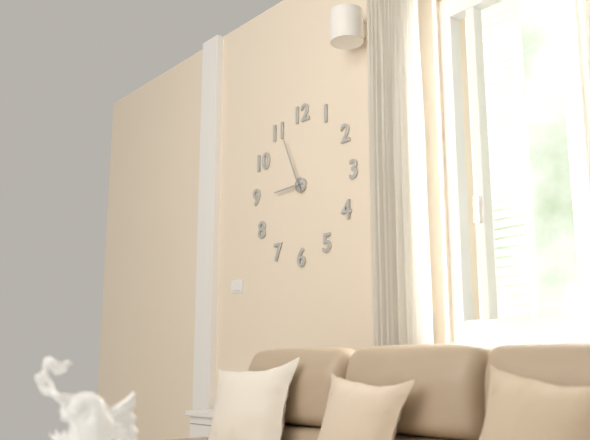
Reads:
{"hour": 8, "minute": 56}
